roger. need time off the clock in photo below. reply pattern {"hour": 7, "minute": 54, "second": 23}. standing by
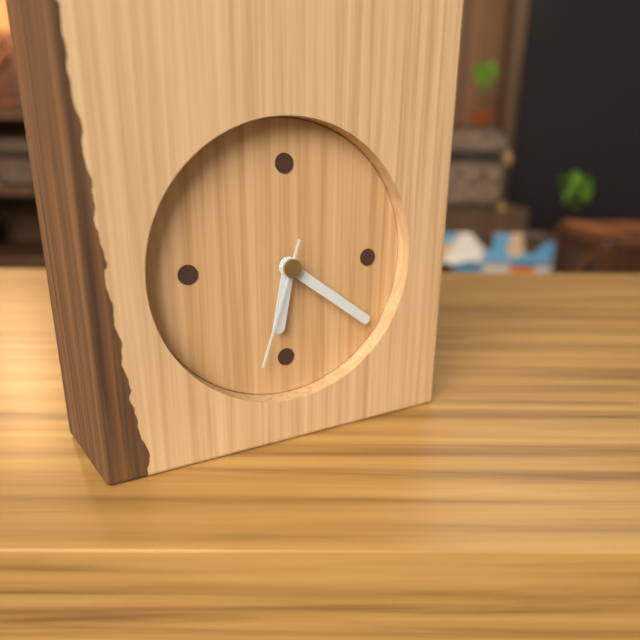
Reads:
{"hour": 6, "minute": 21, "second": 33}
